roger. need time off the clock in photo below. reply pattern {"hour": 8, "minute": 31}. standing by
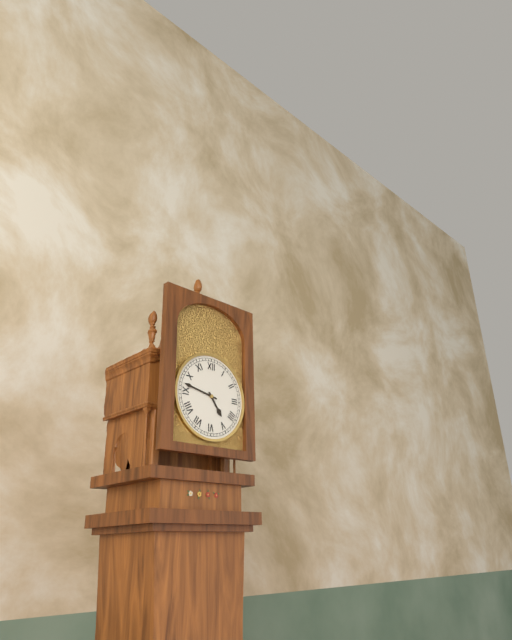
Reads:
{"hour": 4, "minute": 47}
